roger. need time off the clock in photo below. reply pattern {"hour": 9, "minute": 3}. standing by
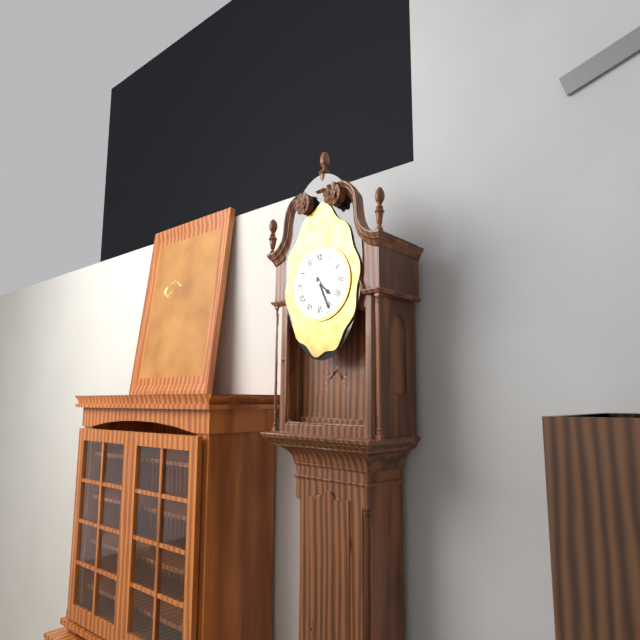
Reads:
{"hour": 4, "minute": 26}
